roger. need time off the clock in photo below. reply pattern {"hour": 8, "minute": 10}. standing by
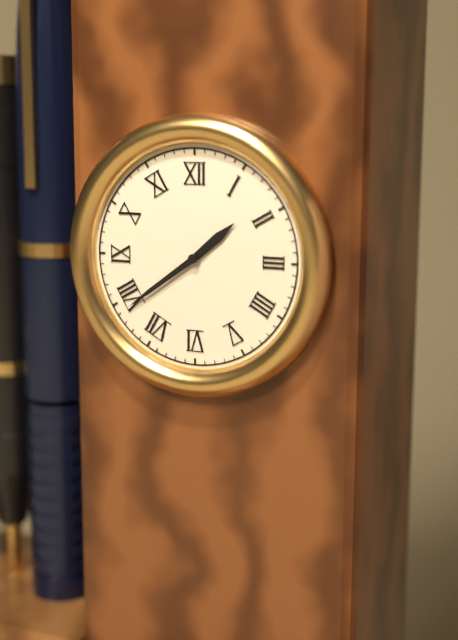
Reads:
{"hour": 1, "minute": 39}
